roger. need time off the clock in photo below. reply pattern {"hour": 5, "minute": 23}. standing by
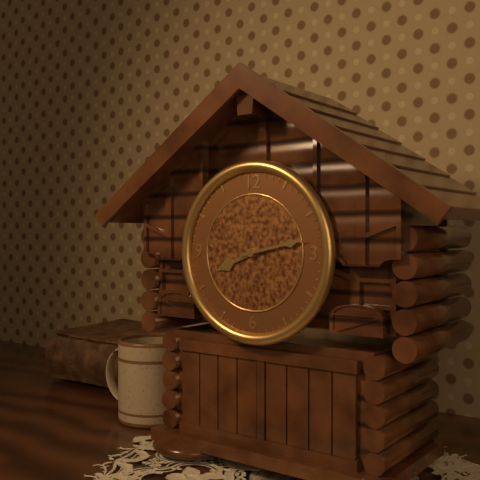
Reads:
{"hour": 8, "minute": 13}
